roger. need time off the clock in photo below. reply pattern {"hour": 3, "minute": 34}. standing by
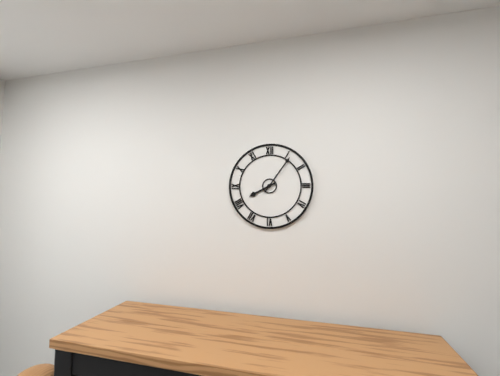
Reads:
{"hour": 8, "minute": 6}
